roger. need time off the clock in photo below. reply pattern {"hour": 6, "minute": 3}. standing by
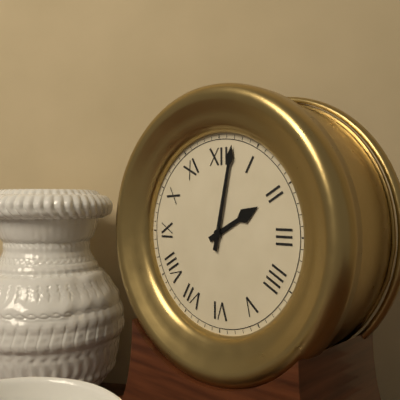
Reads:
{"hour": 2, "minute": 2}
